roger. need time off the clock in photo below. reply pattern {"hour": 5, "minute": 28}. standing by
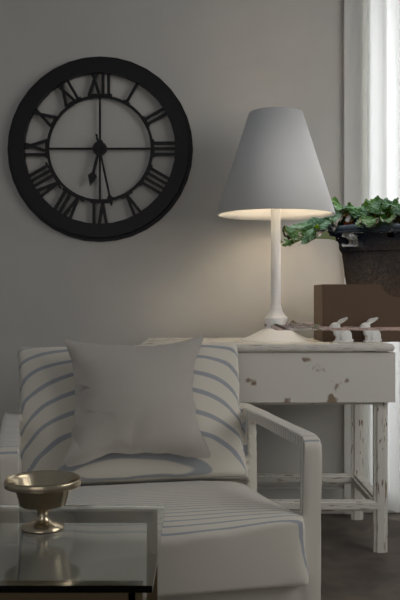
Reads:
{"hour": 6, "minute": 28}
